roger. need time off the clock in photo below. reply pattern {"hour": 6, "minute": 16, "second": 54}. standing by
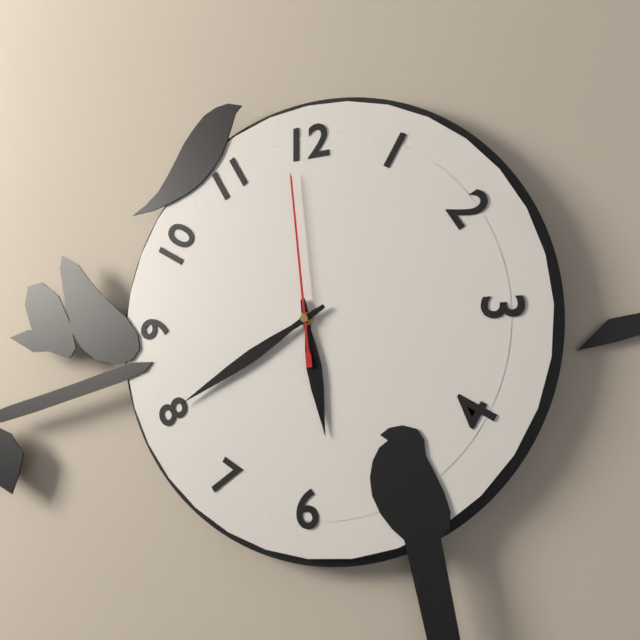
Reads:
{"hour": 5, "minute": 40, "second": 59}
